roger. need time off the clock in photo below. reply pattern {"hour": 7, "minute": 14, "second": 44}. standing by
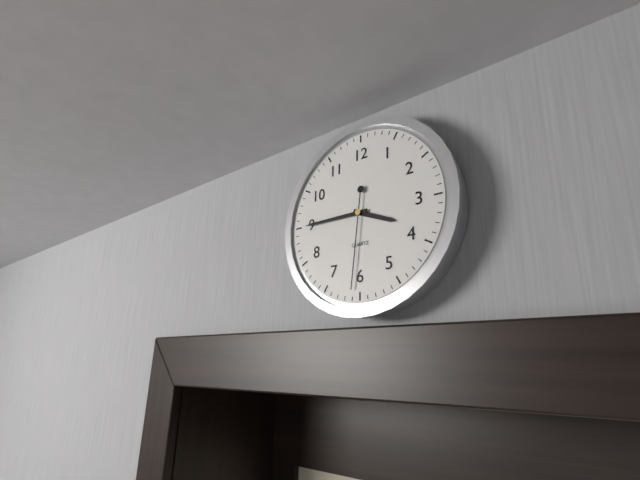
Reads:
{"hour": 3, "minute": 45, "second": 31}
